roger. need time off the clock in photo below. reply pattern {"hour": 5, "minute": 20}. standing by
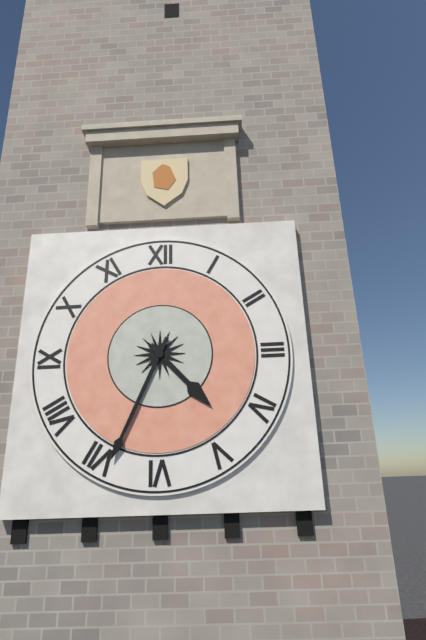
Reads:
{"hour": 4, "minute": 34}
